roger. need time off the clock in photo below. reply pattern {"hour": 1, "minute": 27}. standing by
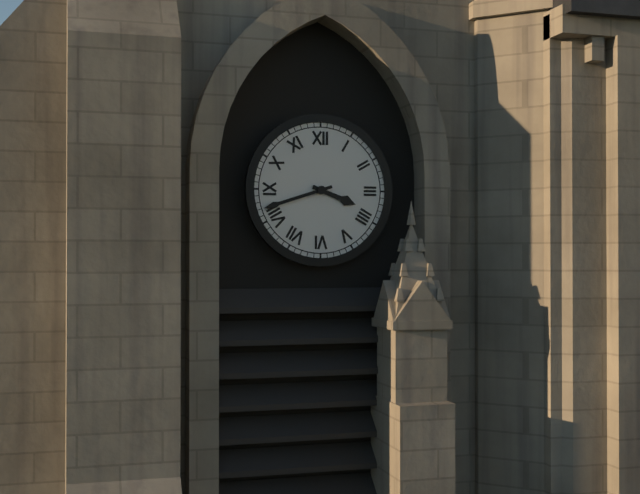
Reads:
{"hour": 3, "minute": 42}
